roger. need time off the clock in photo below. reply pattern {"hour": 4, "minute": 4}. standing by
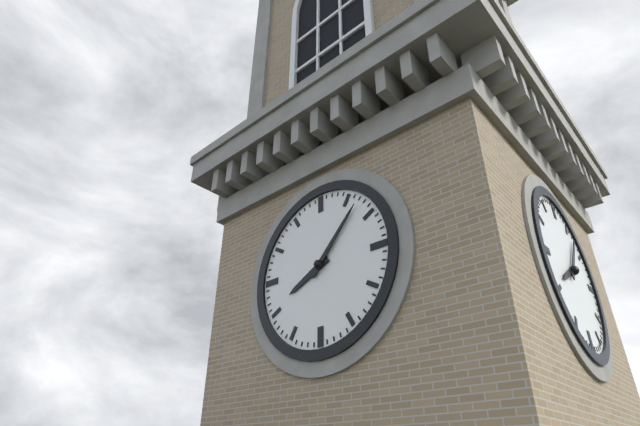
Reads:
{"hour": 8, "minute": 7}
